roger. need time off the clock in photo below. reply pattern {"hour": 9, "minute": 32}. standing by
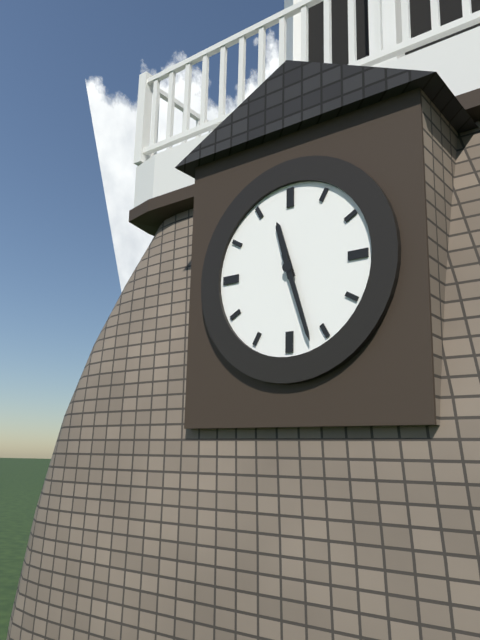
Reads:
{"hour": 11, "minute": 27}
